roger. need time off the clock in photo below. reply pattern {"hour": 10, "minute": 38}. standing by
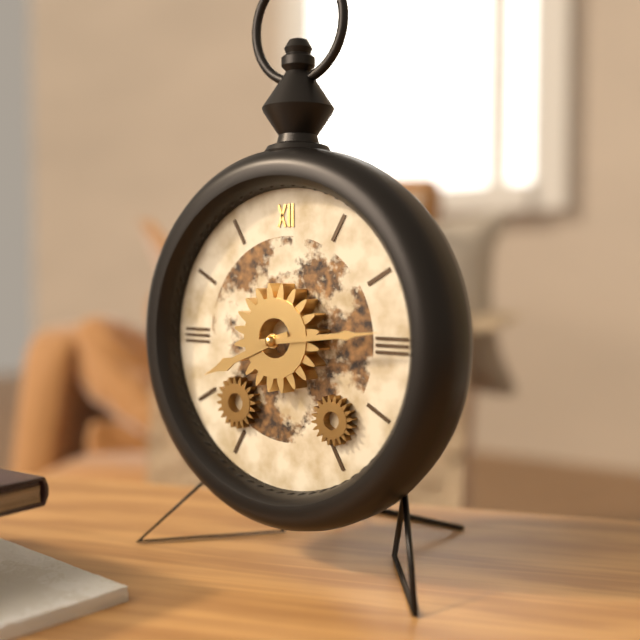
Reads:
{"hour": 8, "minute": 14}
